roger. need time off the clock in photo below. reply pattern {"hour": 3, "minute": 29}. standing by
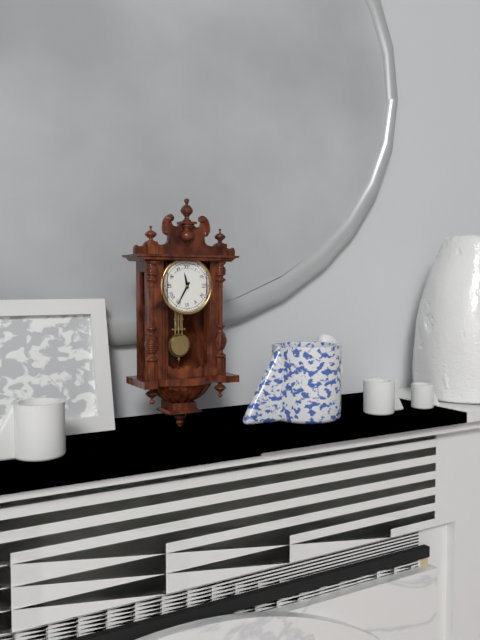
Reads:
{"hour": 11, "minute": 35}
